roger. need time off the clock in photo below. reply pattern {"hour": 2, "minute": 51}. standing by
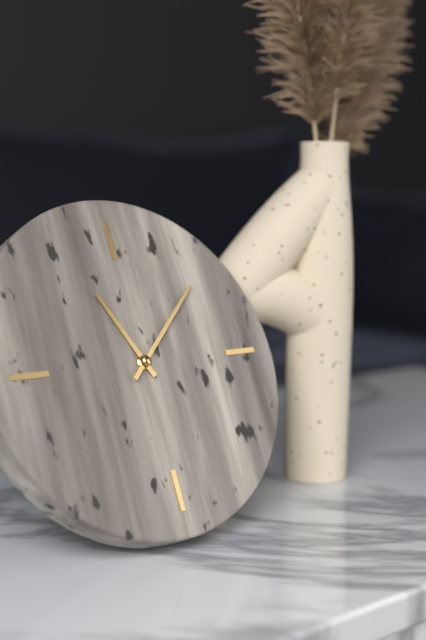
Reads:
{"hour": 11, "minute": 8}
